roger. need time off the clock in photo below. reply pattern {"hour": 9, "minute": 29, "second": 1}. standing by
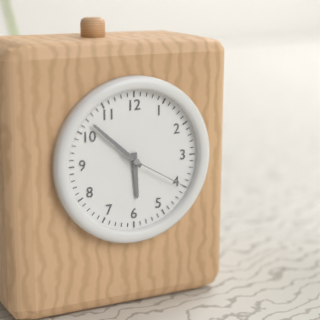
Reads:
{"hour": 5, "minute": 52, "second": 20}
